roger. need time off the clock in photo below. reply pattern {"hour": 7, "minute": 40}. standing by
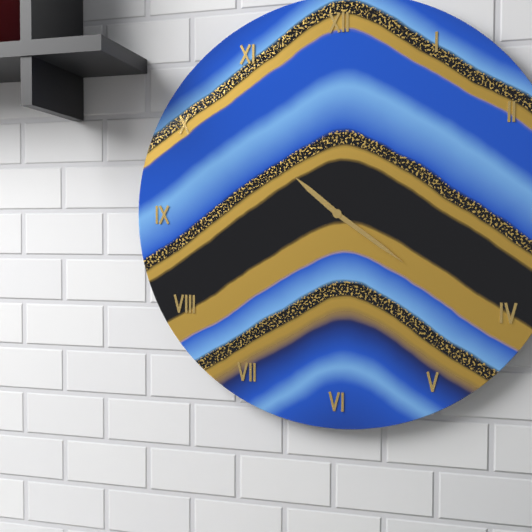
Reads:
{"hour": 10, "minute": 21}
